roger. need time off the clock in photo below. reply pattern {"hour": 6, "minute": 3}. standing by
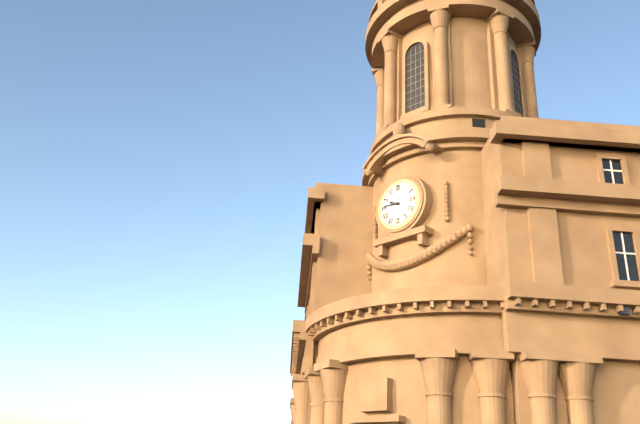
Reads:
{"hour": 9, "minute": 46}
